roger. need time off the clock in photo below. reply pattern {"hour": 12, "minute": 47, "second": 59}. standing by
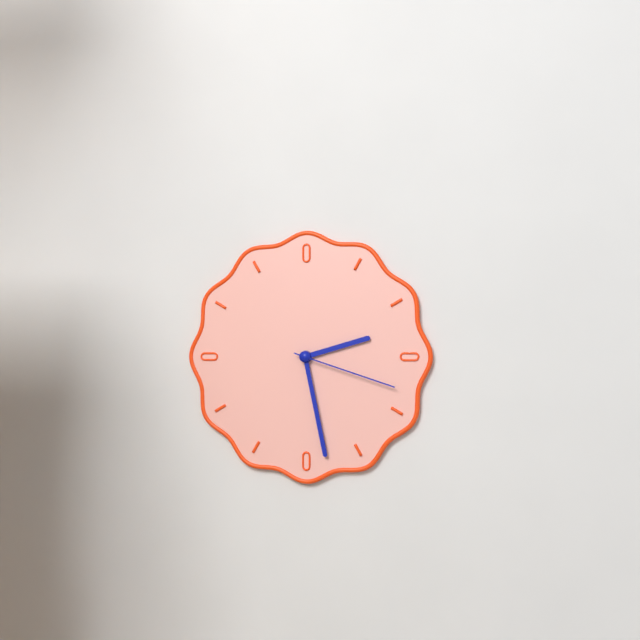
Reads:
{"hour": 2, "minute": 28, "second": 18}
